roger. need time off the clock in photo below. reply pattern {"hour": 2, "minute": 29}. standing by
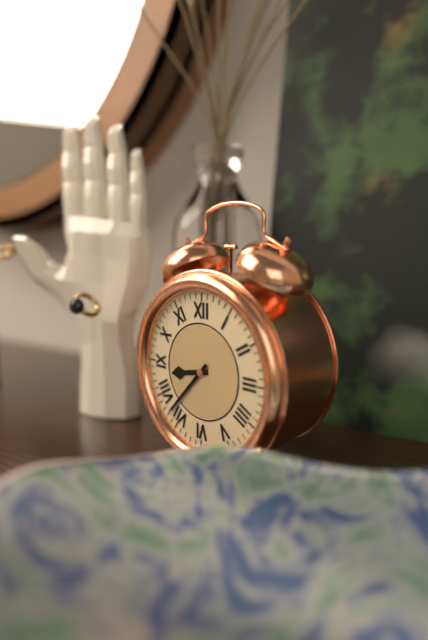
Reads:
{"hour": 8, "minute": 37}
